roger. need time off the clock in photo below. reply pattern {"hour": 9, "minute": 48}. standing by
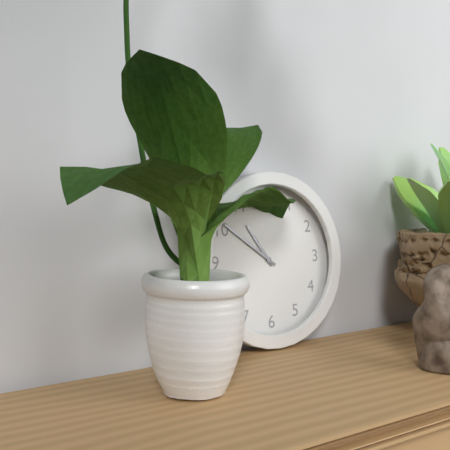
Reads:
{"hour": 10, "minute": 51}
